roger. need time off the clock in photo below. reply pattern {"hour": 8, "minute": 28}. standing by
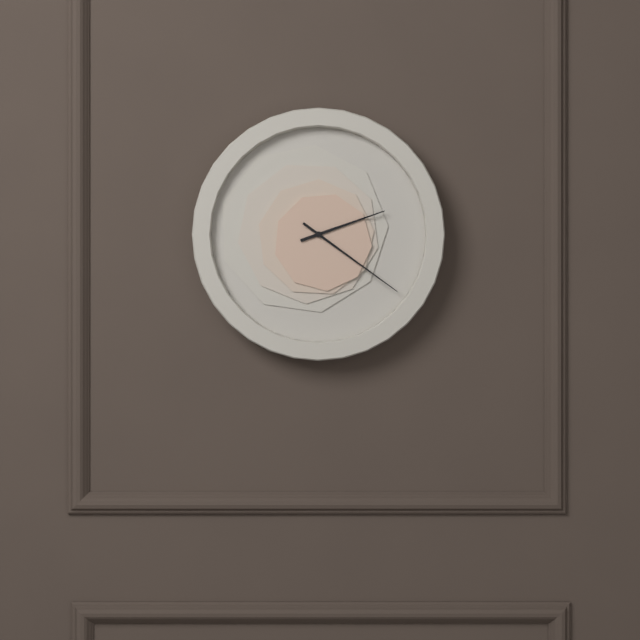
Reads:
{"hour": 2, "minute": 21}
